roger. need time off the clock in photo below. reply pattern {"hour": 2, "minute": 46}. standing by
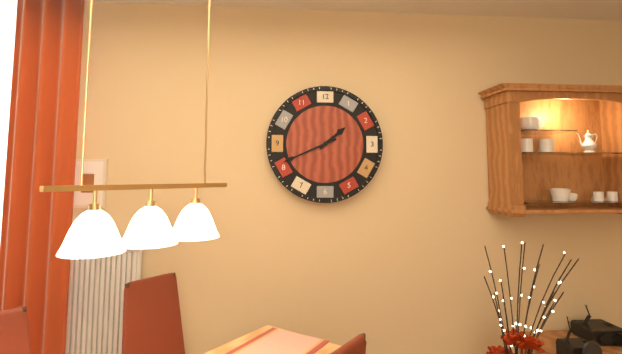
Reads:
{"hour": 1, "minute": 41}
